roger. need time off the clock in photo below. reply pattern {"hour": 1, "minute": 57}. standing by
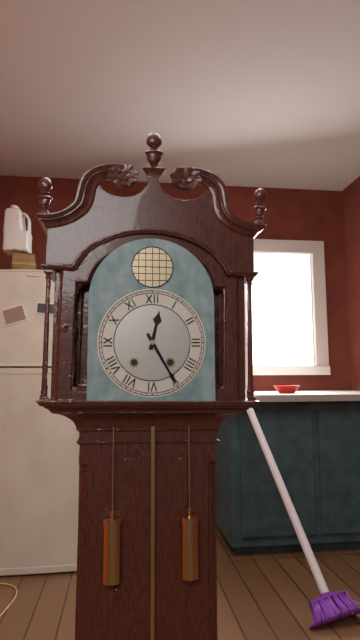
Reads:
{"hour": 12, "minute": 25}
